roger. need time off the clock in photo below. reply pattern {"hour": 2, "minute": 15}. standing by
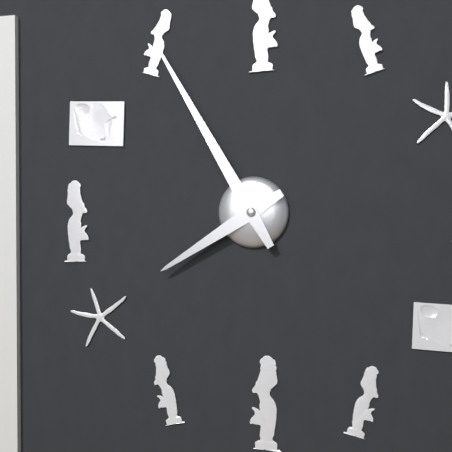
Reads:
{"hour": 7, "minute": 55}
